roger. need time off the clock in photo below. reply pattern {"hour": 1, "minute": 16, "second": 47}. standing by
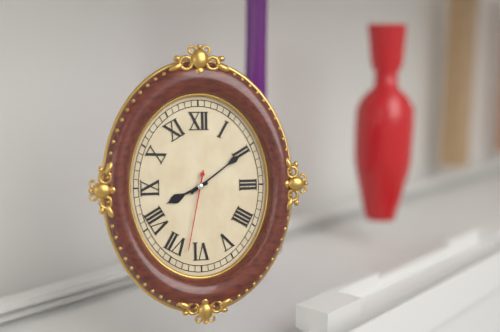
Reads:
{"hour": 8, "minute": 9, "second": 32}
